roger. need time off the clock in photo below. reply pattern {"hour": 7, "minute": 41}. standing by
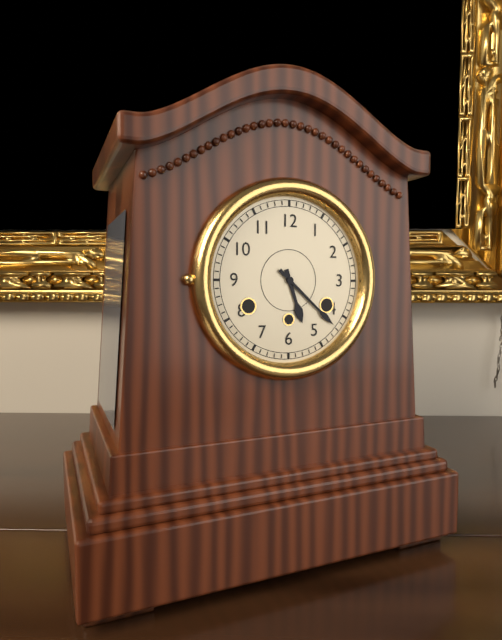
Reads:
{"hour": 5, "minute": 22}
